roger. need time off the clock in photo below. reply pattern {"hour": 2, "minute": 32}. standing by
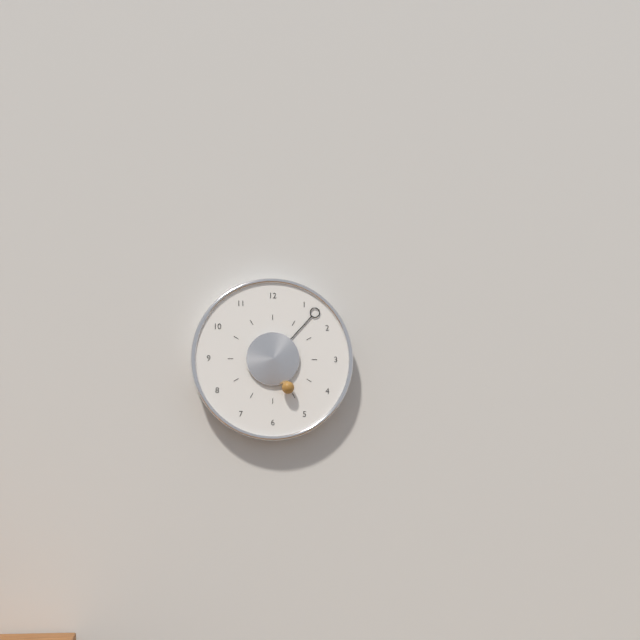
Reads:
{"hour": 5, "minute": 7}
